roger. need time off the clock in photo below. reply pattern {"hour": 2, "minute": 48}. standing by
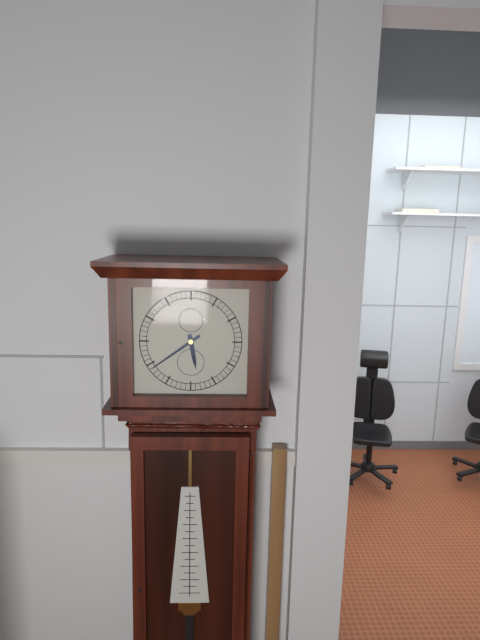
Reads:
{"hour": 5, "minute": 39}
